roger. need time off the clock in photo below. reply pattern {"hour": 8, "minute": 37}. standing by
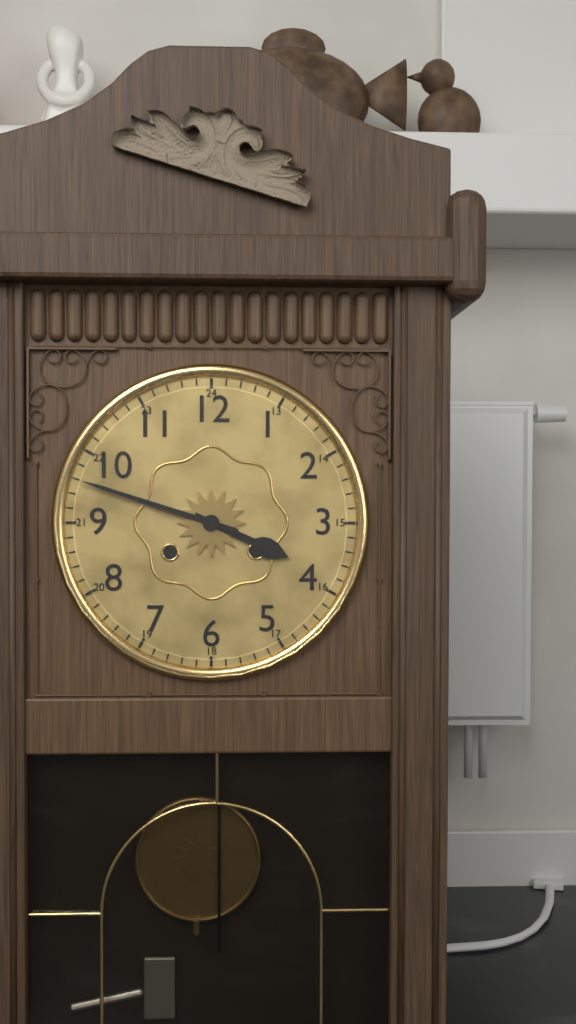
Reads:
{"hour": 3, "minute": 48}
